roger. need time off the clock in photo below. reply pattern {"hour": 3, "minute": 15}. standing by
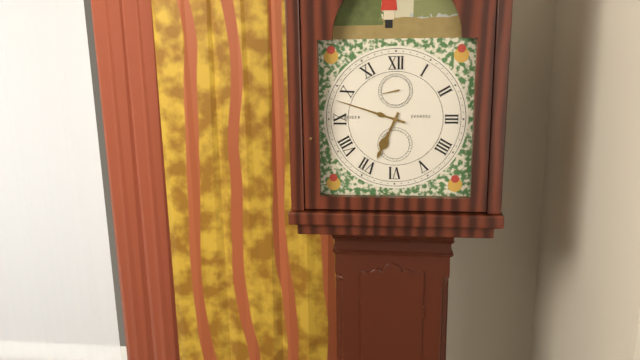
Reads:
{"hour": 6, "minute": 48}
